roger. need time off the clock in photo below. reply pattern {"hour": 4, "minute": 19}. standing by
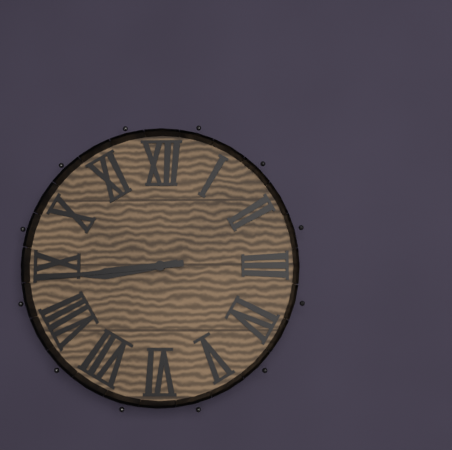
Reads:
{"hour": 8, "minute": 44}
